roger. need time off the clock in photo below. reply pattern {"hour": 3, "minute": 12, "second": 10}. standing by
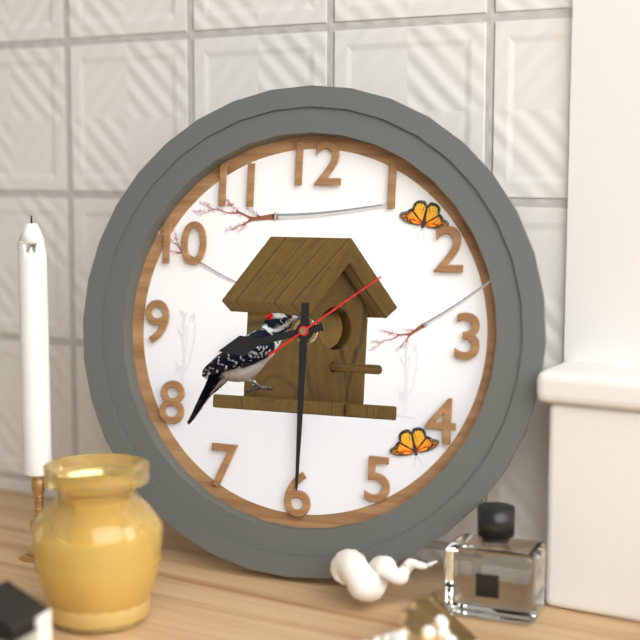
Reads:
{"hour": 8, "minute": 30, "second": 9}
